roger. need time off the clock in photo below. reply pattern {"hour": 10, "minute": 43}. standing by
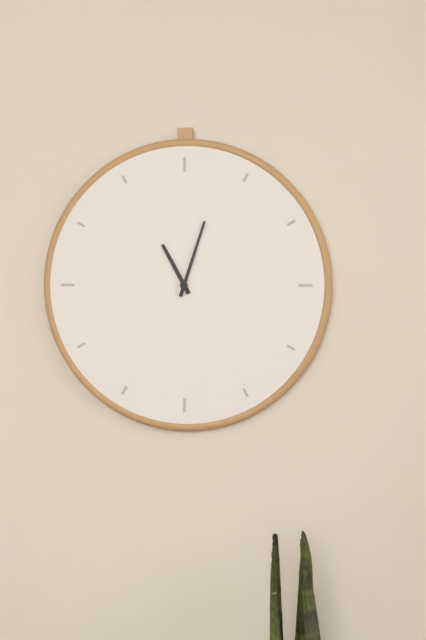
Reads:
{"hour": 11, "minute": 3}
